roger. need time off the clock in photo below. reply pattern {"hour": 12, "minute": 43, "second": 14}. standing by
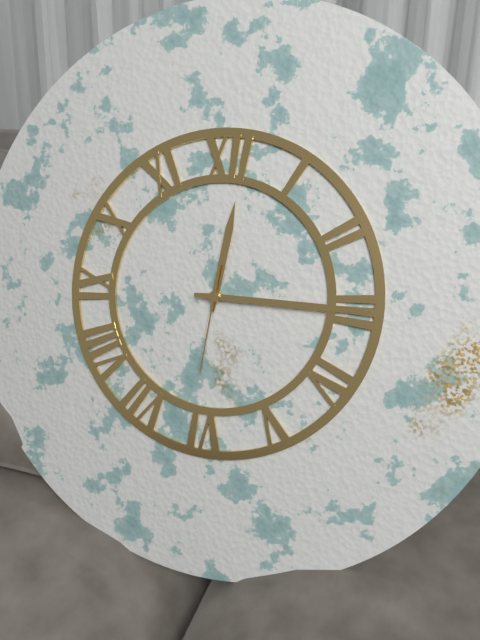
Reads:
{"hour": 12, "minute": 15, "second": 31}
